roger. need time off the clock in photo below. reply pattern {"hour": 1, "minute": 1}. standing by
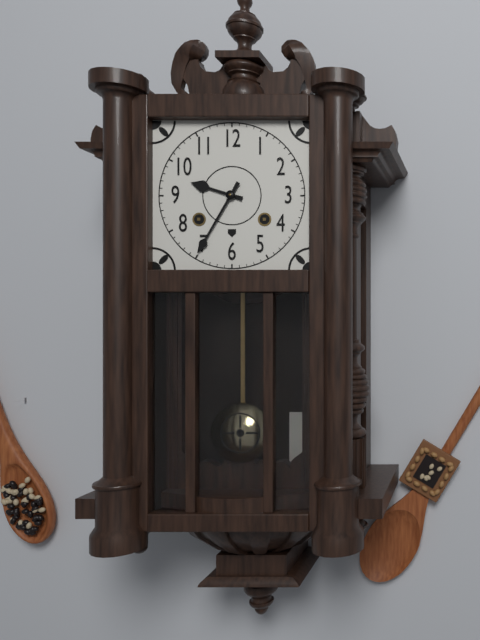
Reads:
{"hour": 9, "minute": 35}
